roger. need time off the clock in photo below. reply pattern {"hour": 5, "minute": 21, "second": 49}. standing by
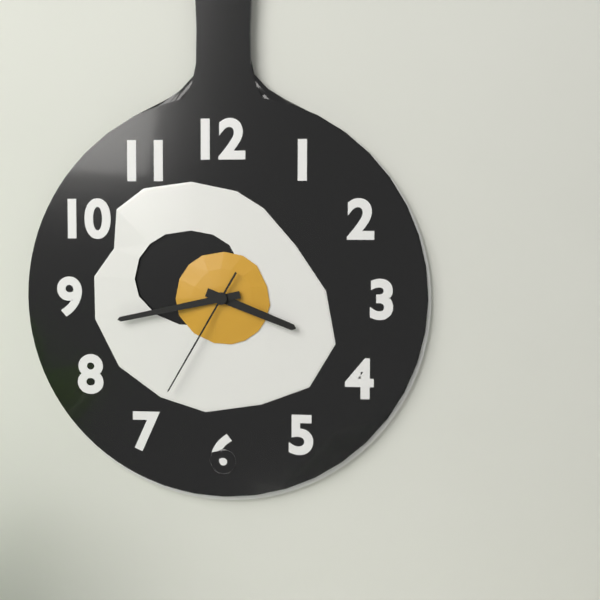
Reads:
{"hour": 3, "minute": 43, "second": 35}
